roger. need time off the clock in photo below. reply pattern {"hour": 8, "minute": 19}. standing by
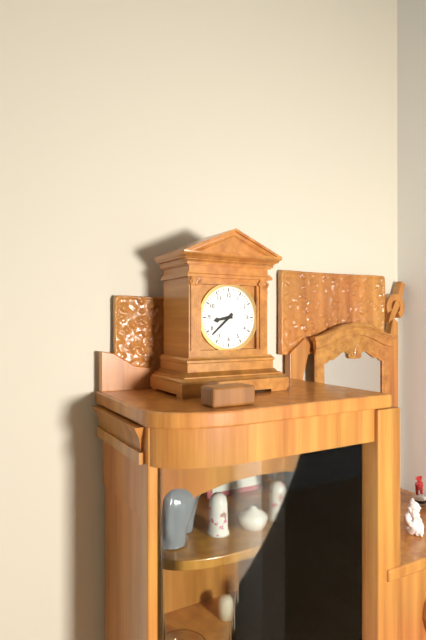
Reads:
{"hour": 8, "minute": 38}
